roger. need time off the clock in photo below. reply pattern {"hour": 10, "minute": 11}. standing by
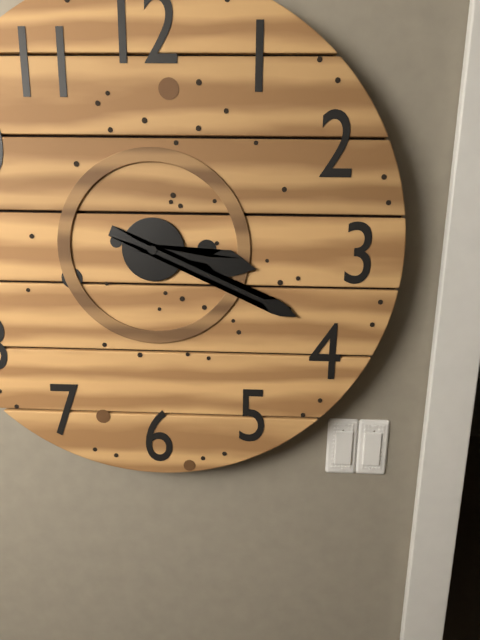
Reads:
{"hour": 3, "minute": 19}
